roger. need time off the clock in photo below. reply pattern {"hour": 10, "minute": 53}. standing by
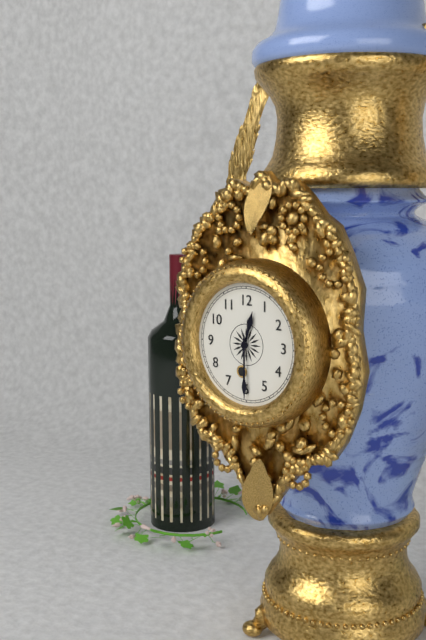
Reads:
{"hour": 12, "minute": 30}
